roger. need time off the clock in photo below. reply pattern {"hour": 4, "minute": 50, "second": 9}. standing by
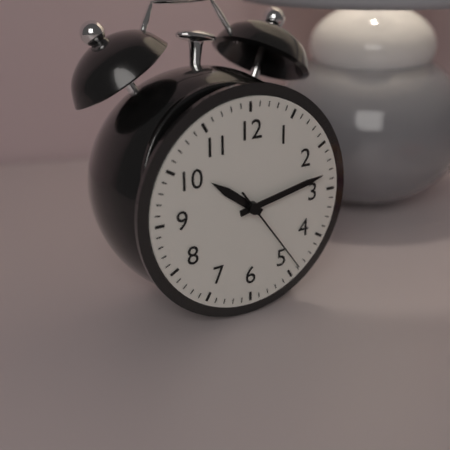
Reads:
{"hour": 10, "minute": 13, "second": 24}
